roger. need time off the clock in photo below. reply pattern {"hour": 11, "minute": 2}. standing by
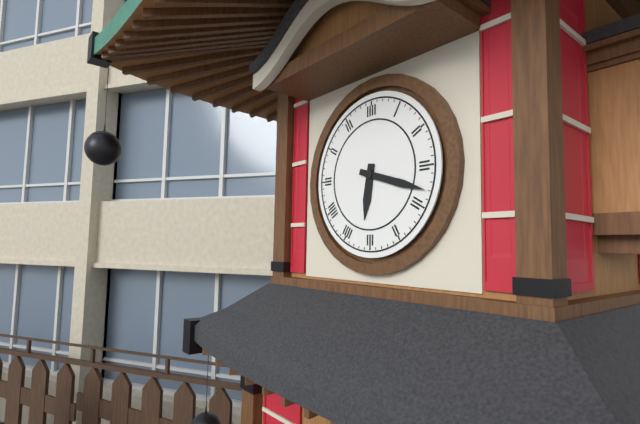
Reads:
{"hour": 6, "minute": 18}
